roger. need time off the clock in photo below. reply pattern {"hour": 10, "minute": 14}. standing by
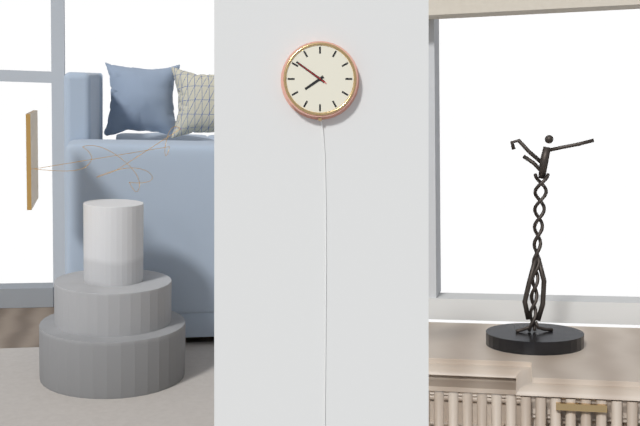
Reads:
{"hour": 7, "minute": 51}
